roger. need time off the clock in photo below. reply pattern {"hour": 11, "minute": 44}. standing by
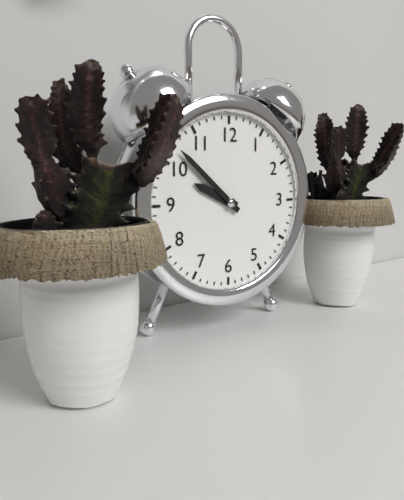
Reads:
{"hour": 9, "minute": 52}
